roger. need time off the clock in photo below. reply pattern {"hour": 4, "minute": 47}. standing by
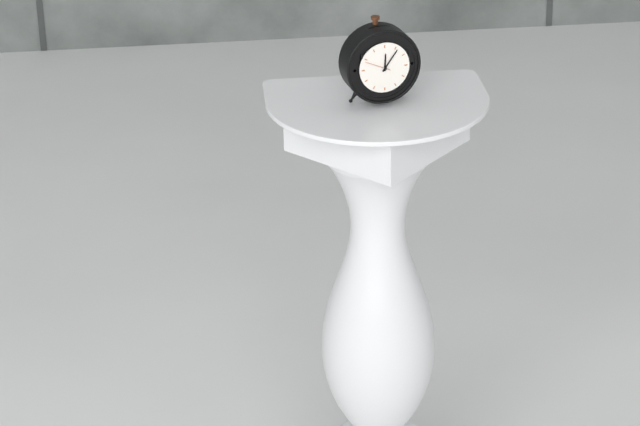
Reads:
{"hour": 12, "minute": 6}
